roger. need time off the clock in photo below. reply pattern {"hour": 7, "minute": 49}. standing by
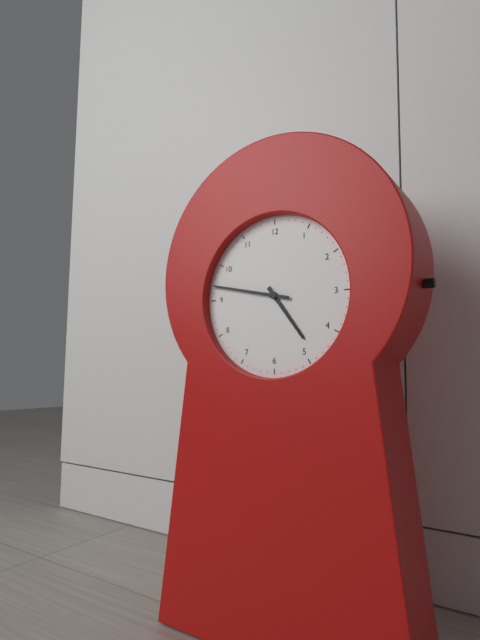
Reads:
{"hour": 4, "minute": 47}
